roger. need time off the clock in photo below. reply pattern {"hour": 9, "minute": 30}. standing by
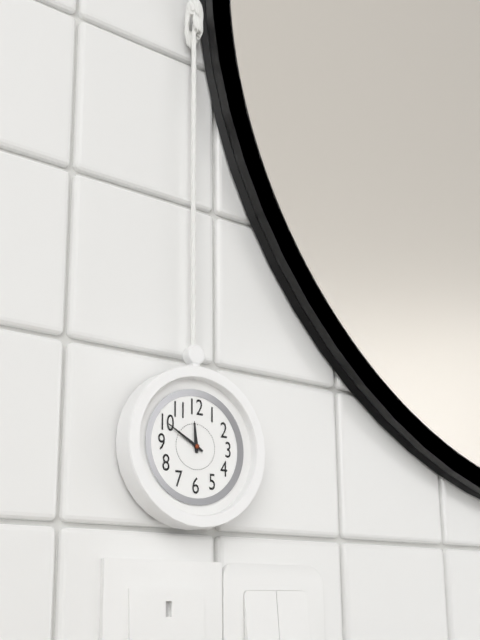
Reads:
{"hour": 11, "minute": 50}
